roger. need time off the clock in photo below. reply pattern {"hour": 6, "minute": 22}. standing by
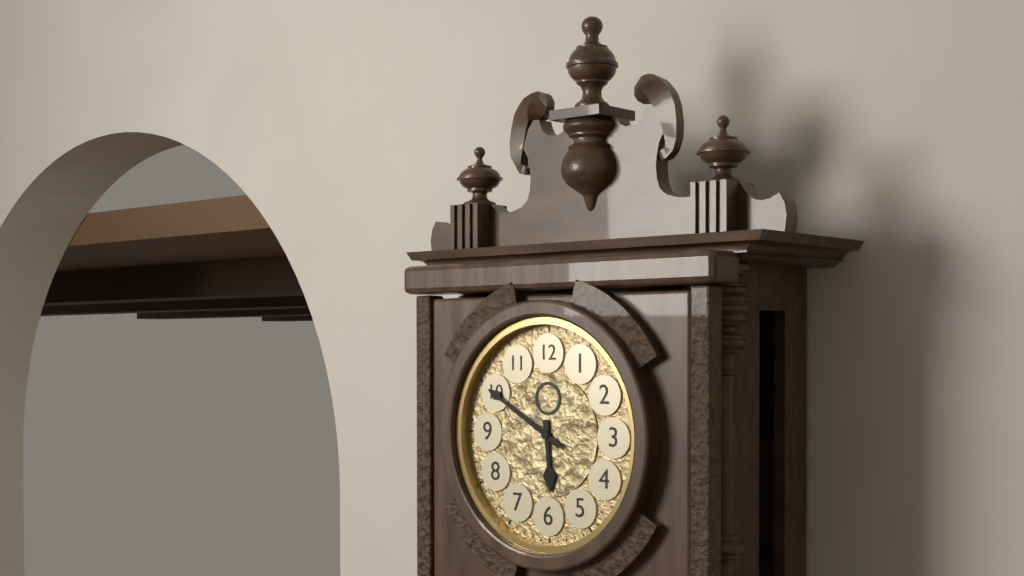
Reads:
{"hour": 5, "minute": 50}
